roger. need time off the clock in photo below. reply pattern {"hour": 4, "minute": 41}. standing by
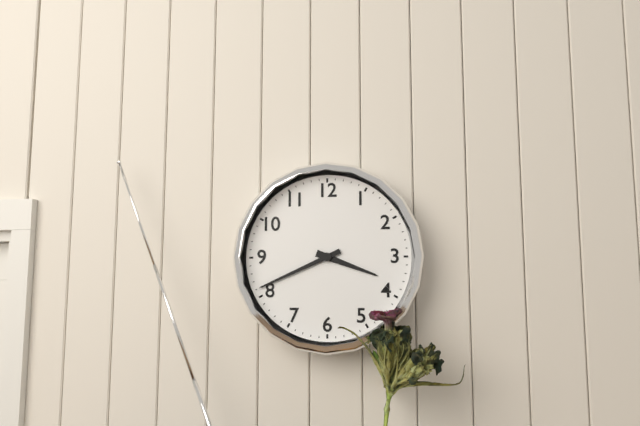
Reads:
{"hour": 3, "minute": 41}
